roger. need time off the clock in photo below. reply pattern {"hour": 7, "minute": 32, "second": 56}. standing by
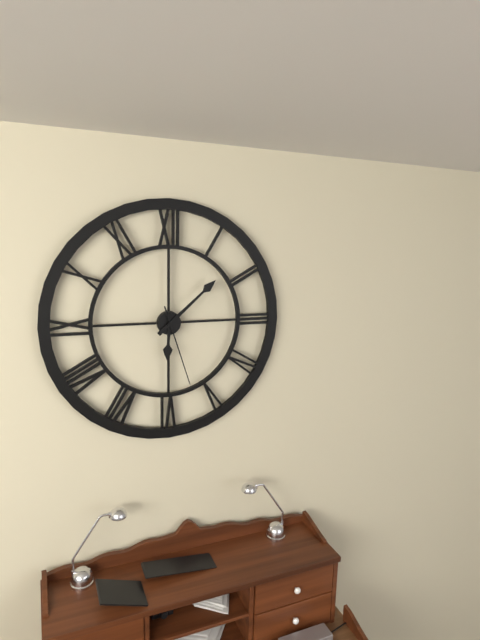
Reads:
{"hour": 6, "minute": 8, "second": 27}
